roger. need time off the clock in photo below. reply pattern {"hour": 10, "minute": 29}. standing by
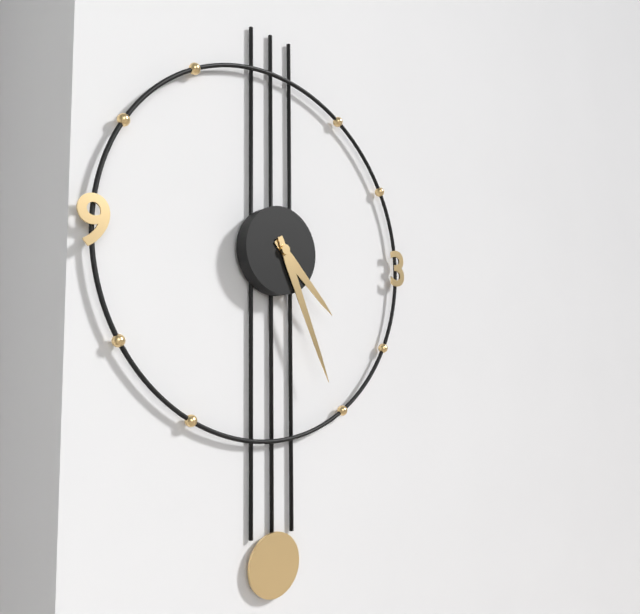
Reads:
{"hour": 4, "minute": 26}
